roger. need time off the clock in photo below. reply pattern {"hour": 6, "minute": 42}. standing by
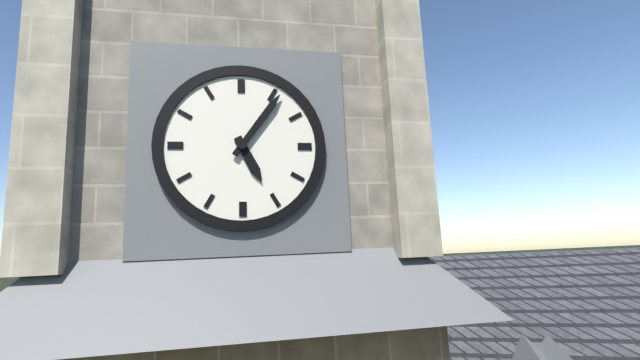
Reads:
{"hour": 5, "minute": 6}
